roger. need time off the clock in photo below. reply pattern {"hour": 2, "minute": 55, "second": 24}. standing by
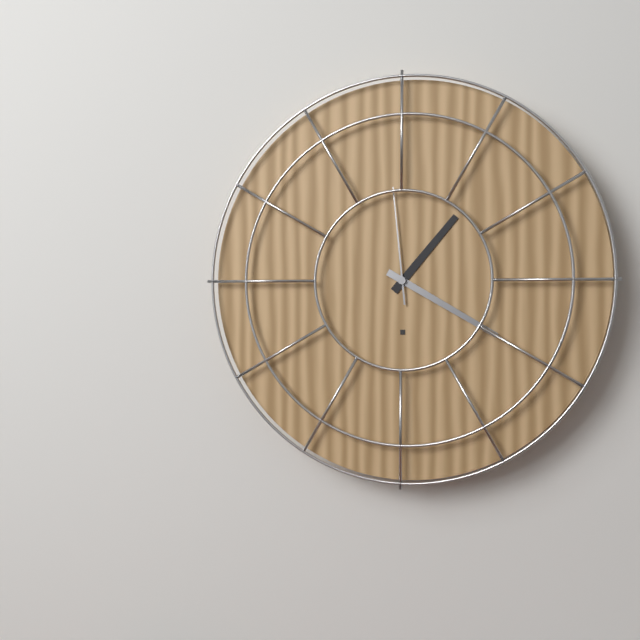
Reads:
{"hour": 1, "minute": 20, "second": 59}
